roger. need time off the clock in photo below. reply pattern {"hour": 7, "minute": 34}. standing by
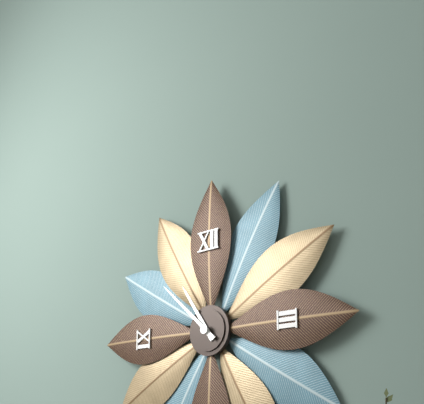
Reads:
{"hour": 10, "minute": 52}
